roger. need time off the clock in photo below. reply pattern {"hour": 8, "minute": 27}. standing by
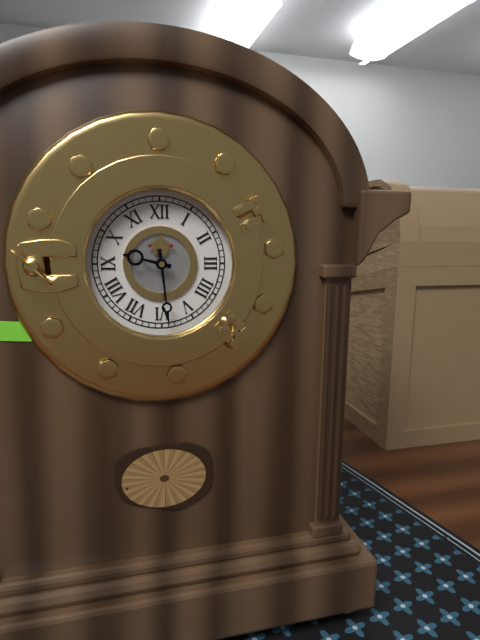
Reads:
{"hour": 9, "minute": 29}
